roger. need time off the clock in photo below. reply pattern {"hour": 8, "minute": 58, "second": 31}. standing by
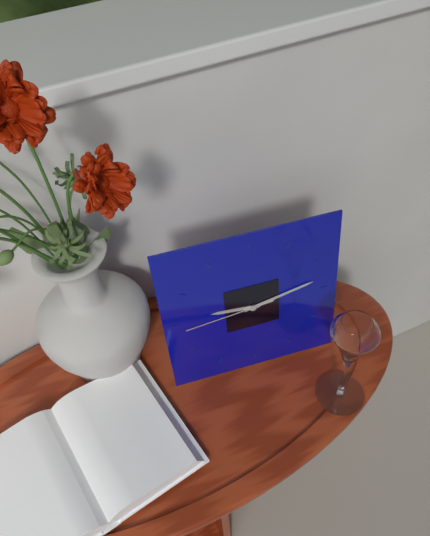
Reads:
{"hour": 9, "minute": 13, "second": 44}
